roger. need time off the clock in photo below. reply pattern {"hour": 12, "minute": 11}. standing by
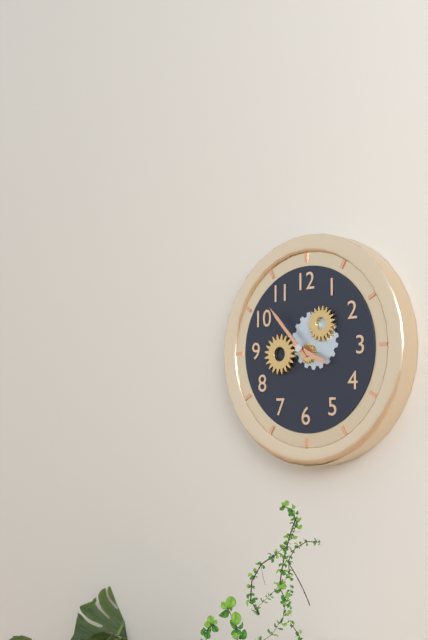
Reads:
{"hour": 3, "minute": 53}
